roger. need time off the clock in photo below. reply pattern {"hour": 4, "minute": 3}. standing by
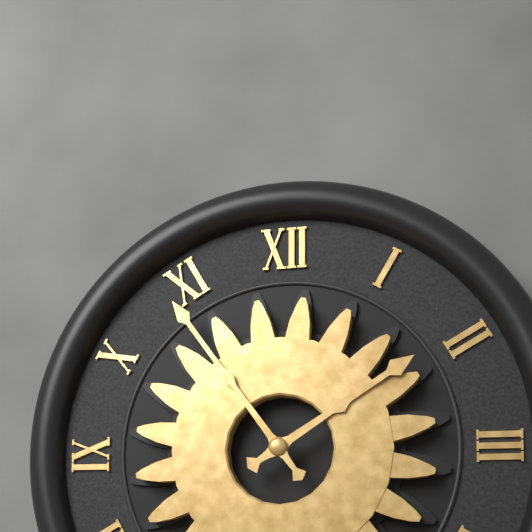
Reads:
{"hour": 1, "minute": 54}
